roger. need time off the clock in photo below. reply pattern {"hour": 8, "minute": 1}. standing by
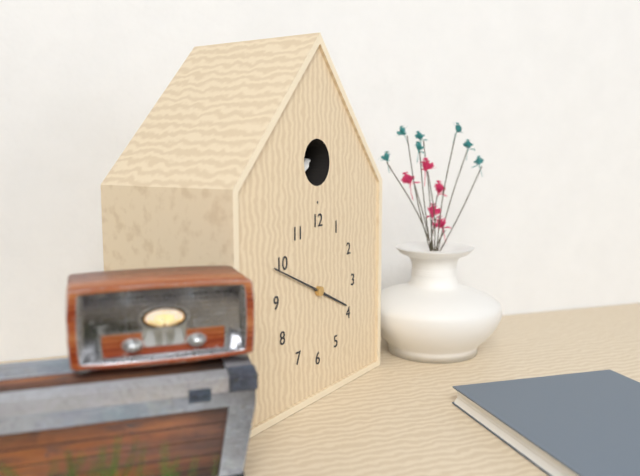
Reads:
{"hour": 3, "minute": 49}
